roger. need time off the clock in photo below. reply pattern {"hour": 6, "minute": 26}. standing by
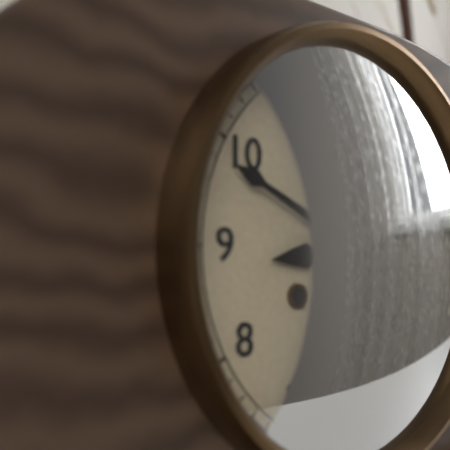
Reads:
{"hour": 8, "minute": 49}
